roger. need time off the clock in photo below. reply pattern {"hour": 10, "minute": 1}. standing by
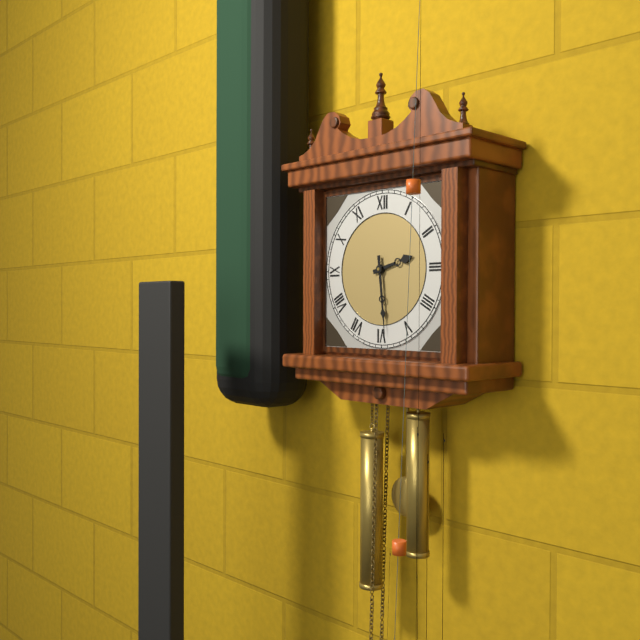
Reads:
{"hour": 2, "minute": 29}
